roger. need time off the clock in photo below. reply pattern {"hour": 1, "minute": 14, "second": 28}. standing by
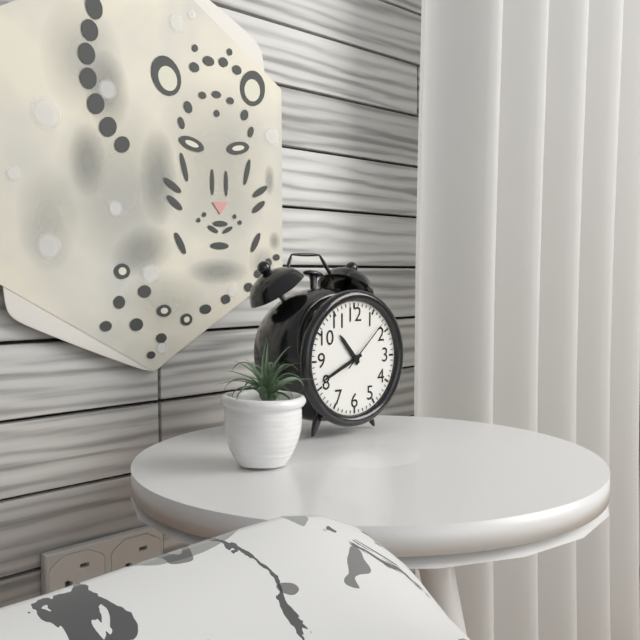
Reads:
{"hour": 10, "minute": 41, "second": 8}
